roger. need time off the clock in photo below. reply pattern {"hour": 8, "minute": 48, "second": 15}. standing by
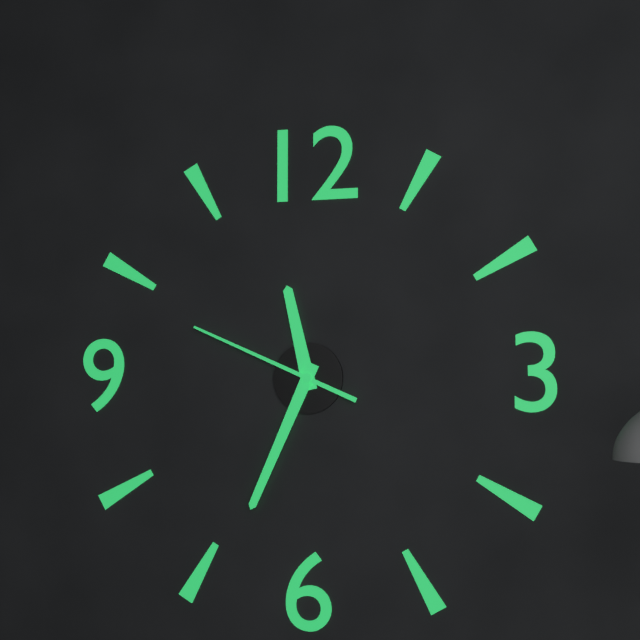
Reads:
{"hour": 11, "minute": 34, "second": 49}
